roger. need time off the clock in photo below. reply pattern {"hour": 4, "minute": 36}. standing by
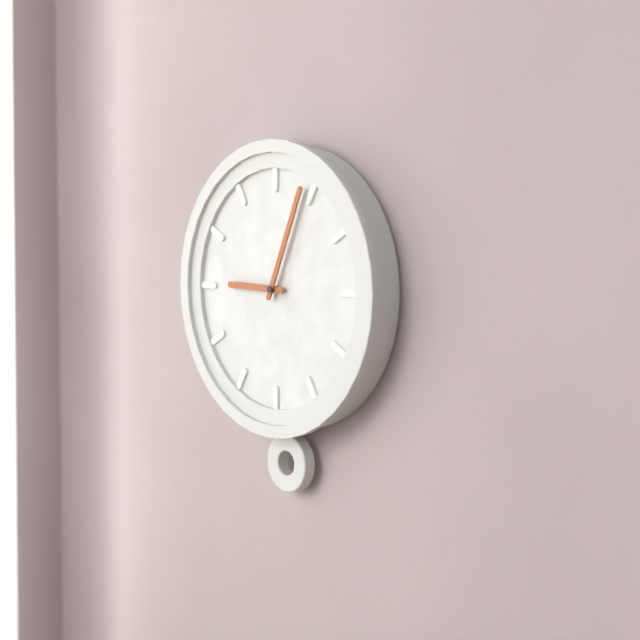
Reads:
{"hour": 9, "minute": 4}
